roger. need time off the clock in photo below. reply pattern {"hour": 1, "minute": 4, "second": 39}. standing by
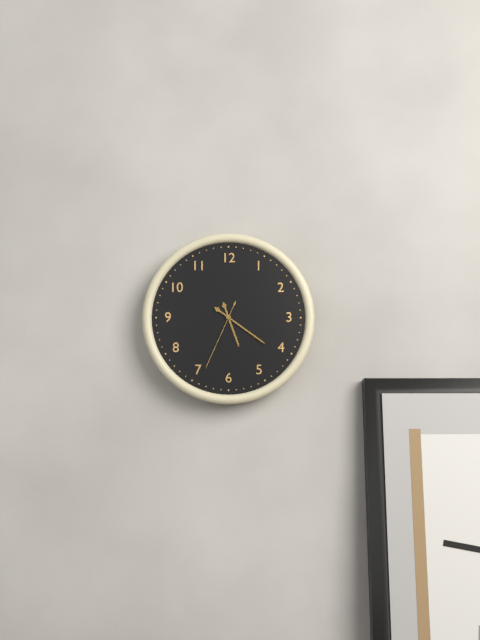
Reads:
{"hour": 5, "minute": 21, "second": 34}
